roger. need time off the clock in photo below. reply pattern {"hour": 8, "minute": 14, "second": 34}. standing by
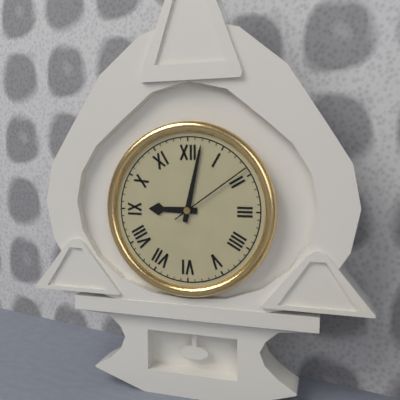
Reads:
{"hour": 9, "minute": 2, "second": 9}
